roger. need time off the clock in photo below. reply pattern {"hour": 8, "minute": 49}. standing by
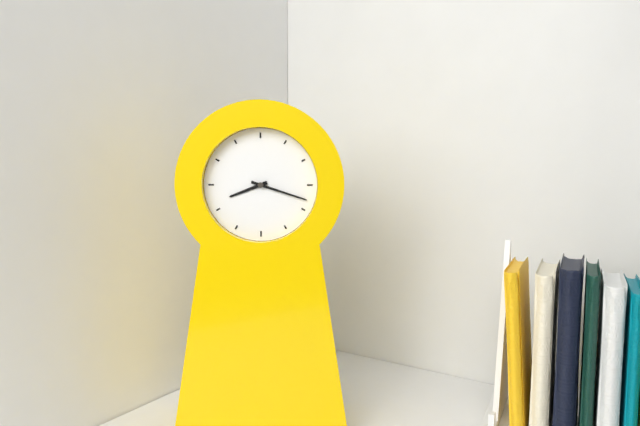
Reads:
{"hour": 8, "minute": 18}
